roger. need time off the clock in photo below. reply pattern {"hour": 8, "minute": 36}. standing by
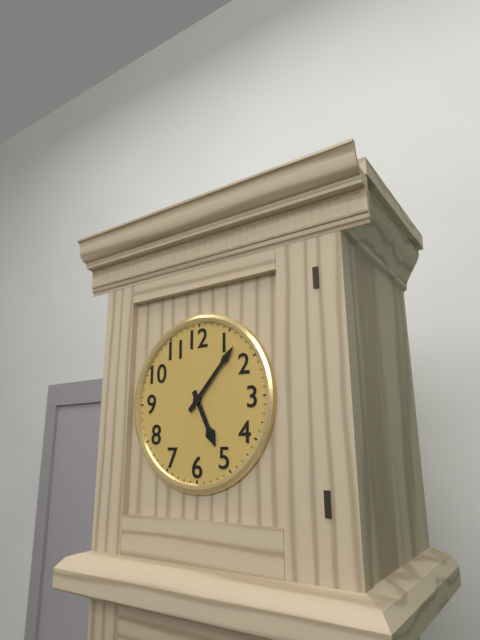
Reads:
{"hour": 5, "minute": 7}
